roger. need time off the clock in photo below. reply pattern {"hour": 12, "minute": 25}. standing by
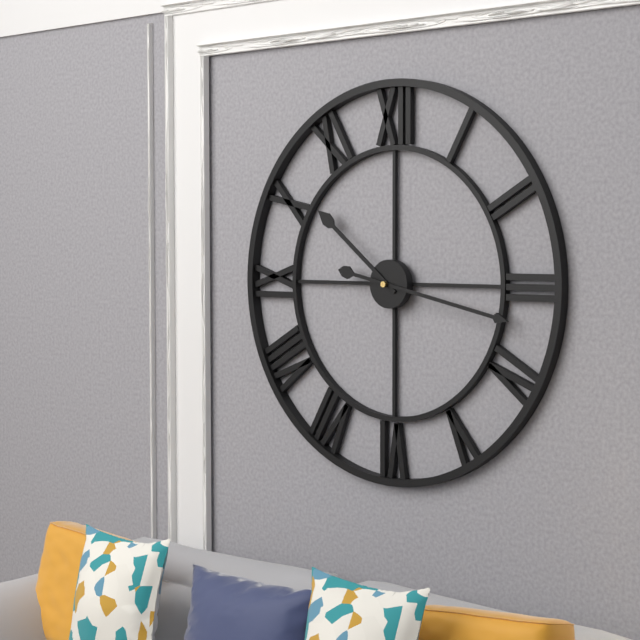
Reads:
{"hour": 10, "minute": 17}
